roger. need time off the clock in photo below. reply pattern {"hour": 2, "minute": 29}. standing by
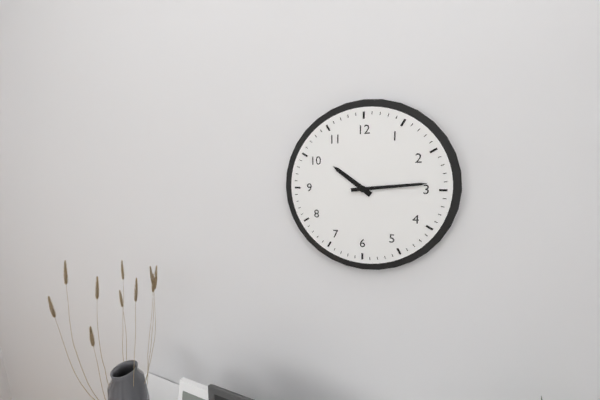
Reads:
{"hour": 10, "minute": 14}
